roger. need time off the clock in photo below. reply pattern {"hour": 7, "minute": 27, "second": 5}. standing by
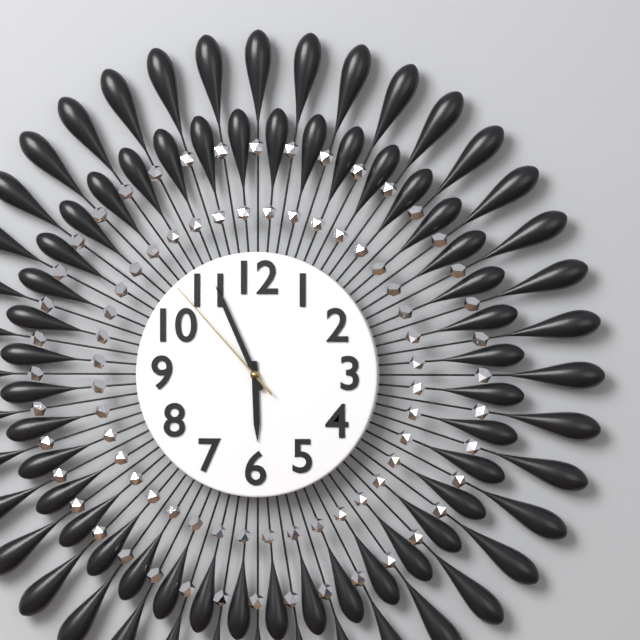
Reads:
{"hour": 5, "minute": 56, "second": 53}
